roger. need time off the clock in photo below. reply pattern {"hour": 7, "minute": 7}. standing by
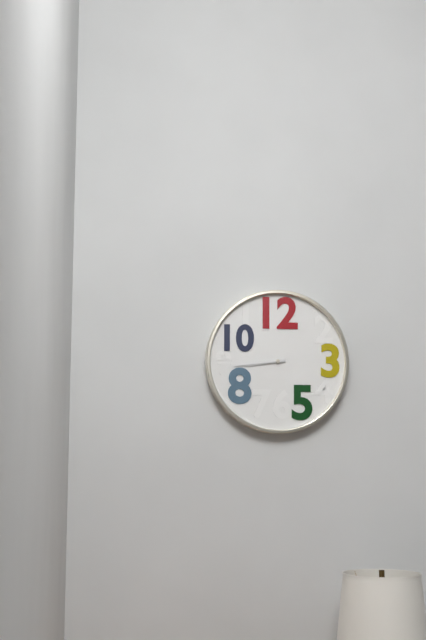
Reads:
{"hour": 8, "minute": 44}
